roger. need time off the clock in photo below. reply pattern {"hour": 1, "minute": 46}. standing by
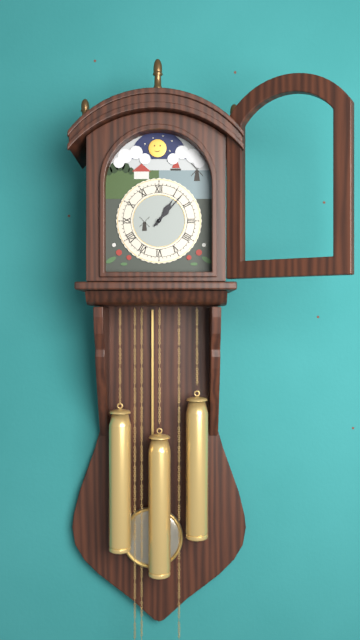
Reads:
{"hour": 1, "minute": 7}
